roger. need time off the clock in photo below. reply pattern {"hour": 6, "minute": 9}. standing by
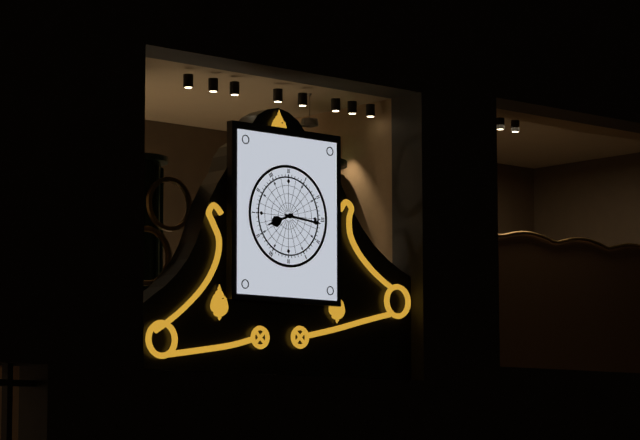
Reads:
{"hour": 8, "minute": 16}
